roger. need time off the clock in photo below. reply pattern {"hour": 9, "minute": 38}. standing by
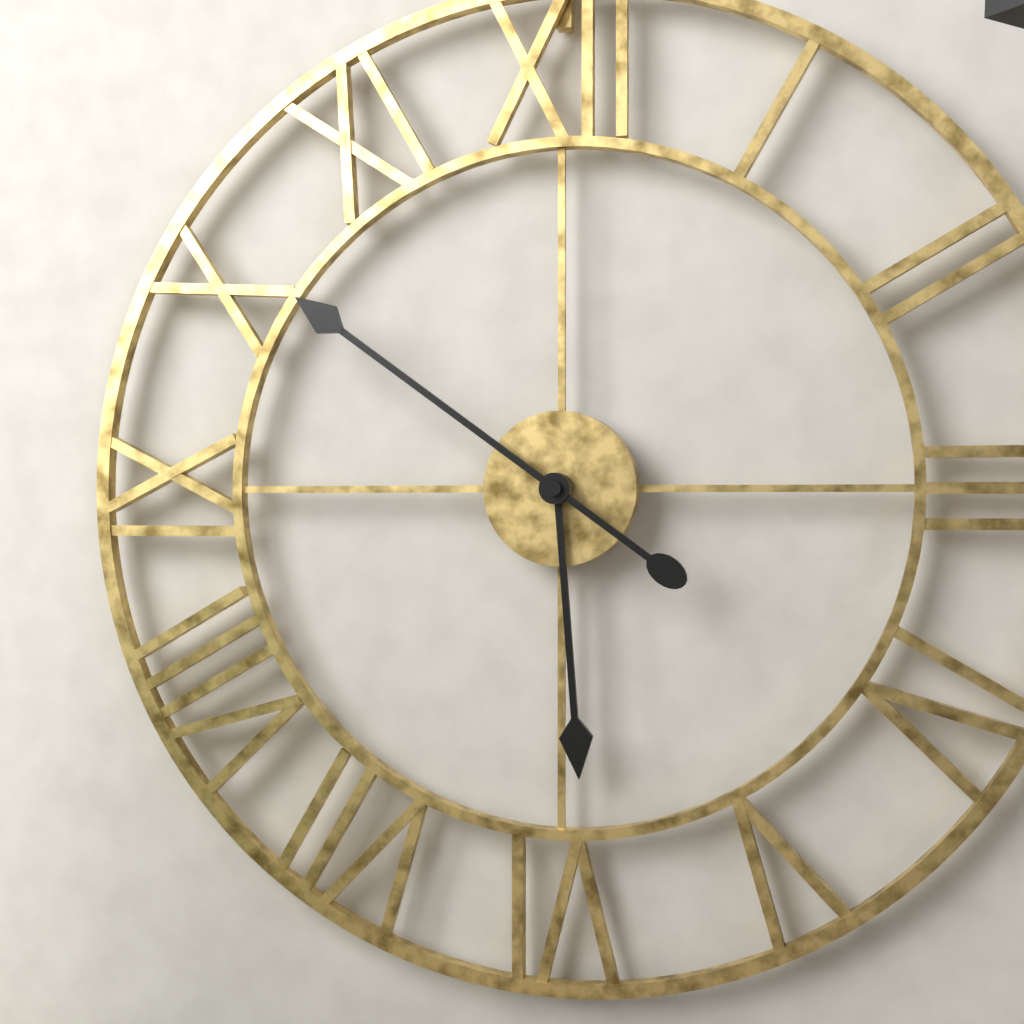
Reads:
{"hour": 5, "minute": 51}
